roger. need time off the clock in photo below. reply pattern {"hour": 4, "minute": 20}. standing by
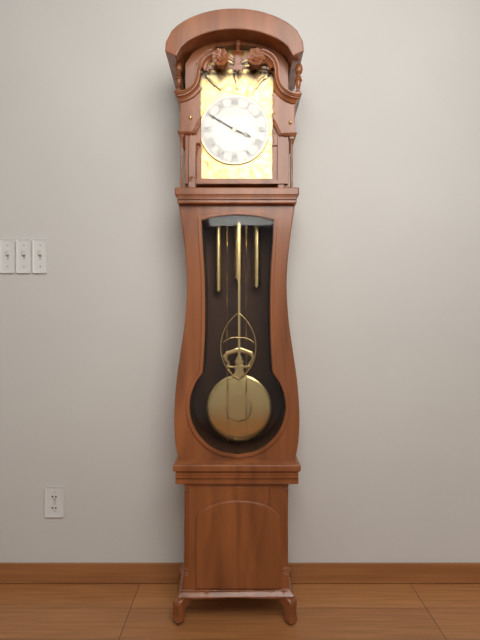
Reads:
{"hour": 3, "minute": 50}
